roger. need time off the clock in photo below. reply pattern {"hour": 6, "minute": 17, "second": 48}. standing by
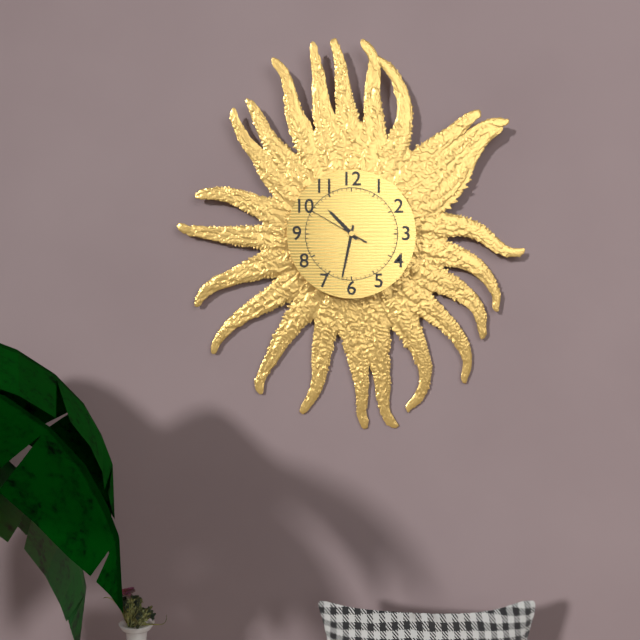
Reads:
{"hour": 10, "minute": 32, "second": 50}
